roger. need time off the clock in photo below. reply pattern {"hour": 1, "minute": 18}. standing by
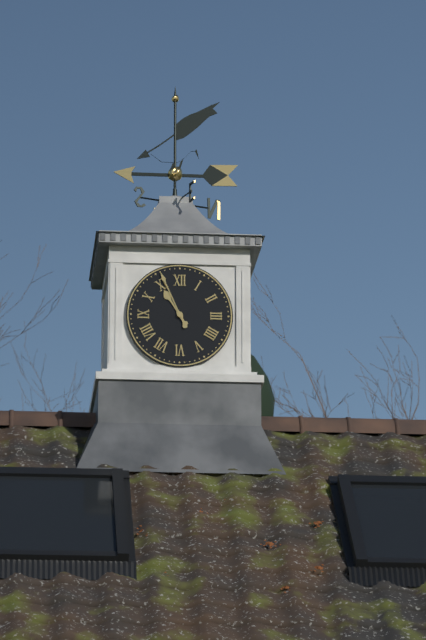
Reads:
{"hour": 10, "minute": 56}
